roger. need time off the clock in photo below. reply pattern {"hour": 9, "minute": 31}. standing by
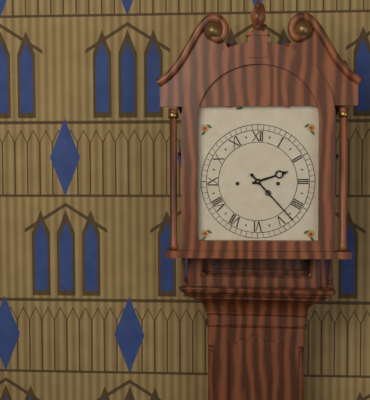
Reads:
{"hour": 2, "minute": 23}
